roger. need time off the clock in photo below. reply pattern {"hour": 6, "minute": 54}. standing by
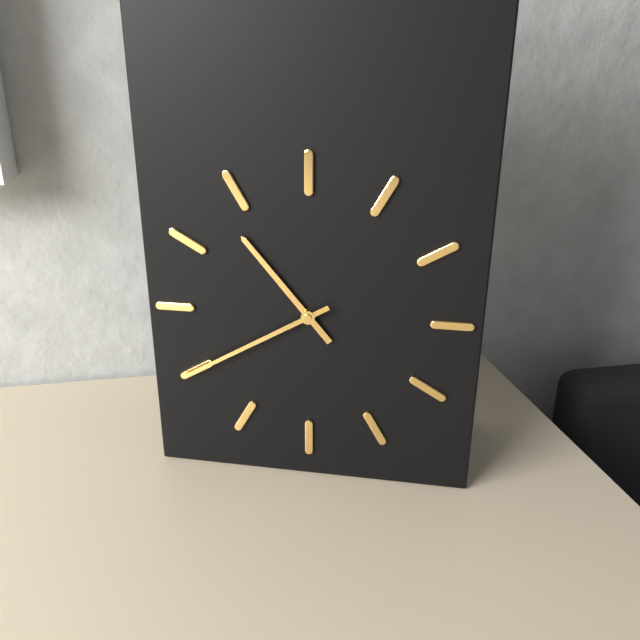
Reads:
{"hour": 10, "minute": 40}
